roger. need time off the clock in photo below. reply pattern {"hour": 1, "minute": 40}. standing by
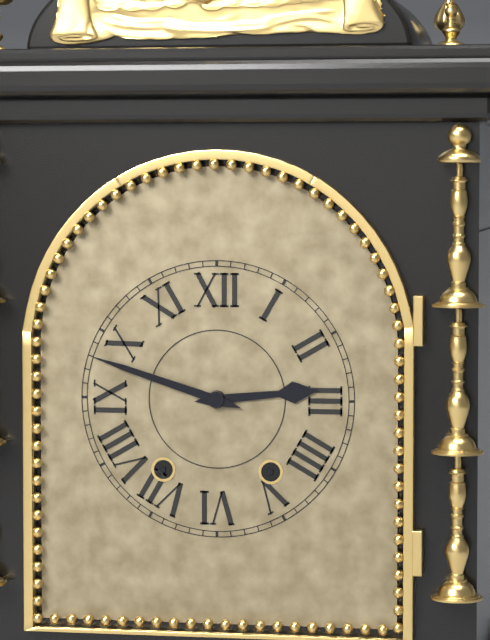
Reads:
{"hour": 2, "minute": 48}
